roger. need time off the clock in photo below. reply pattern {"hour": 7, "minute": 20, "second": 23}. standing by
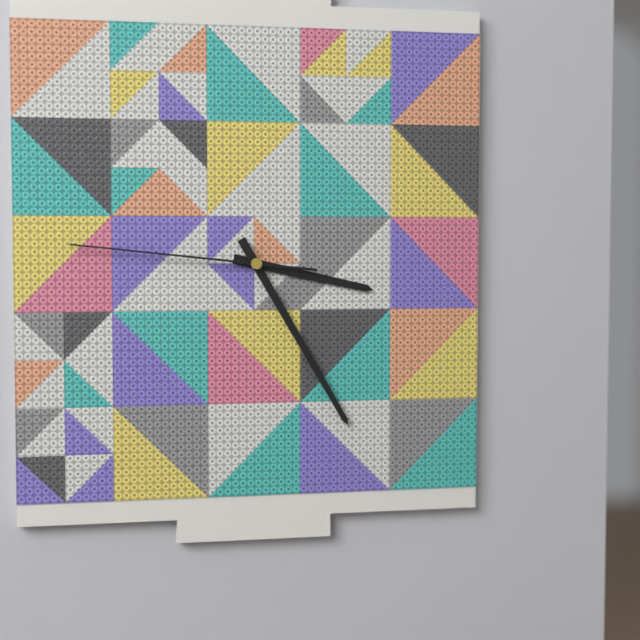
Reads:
{"hour": 3, "minute": 25, "second": 46}
